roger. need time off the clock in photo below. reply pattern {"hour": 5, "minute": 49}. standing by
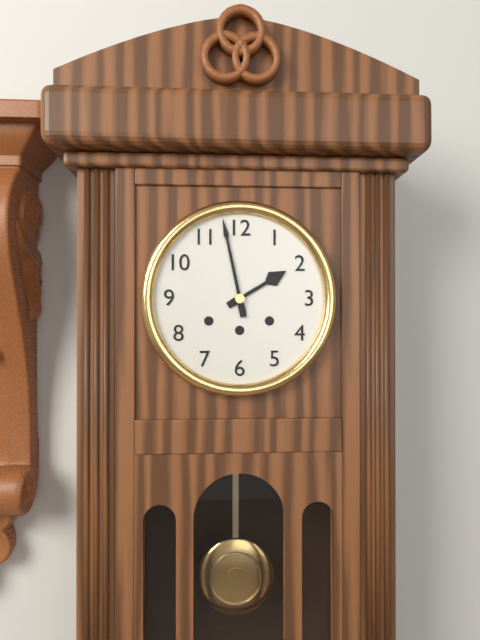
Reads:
{"hour": 1, "minute": 58}
